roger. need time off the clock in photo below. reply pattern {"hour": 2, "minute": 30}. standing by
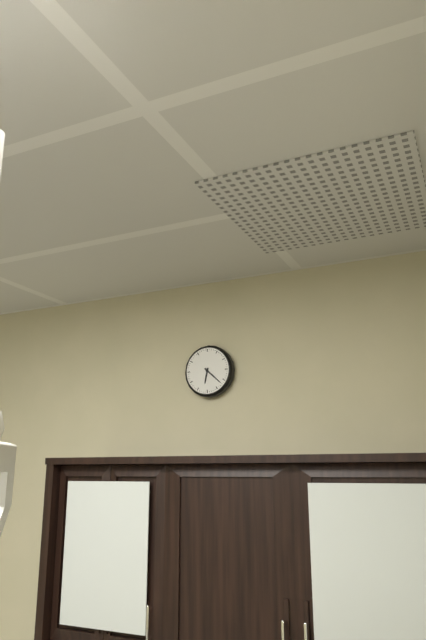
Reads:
{"hour": 6, "minute": 22}
